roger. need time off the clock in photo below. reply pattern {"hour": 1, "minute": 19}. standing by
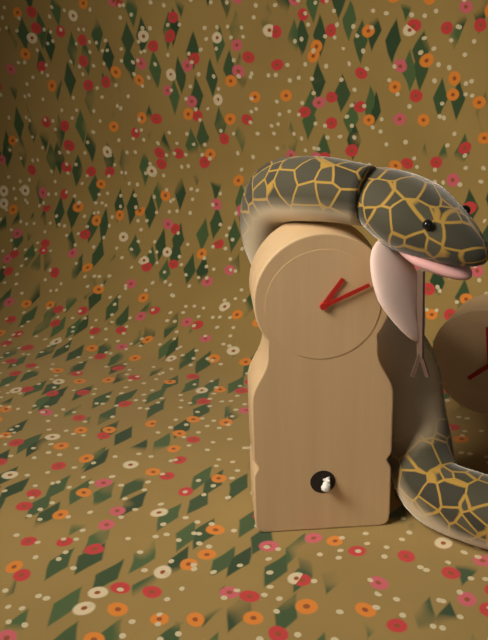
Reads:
{"hour": 1, "minute": 11}
